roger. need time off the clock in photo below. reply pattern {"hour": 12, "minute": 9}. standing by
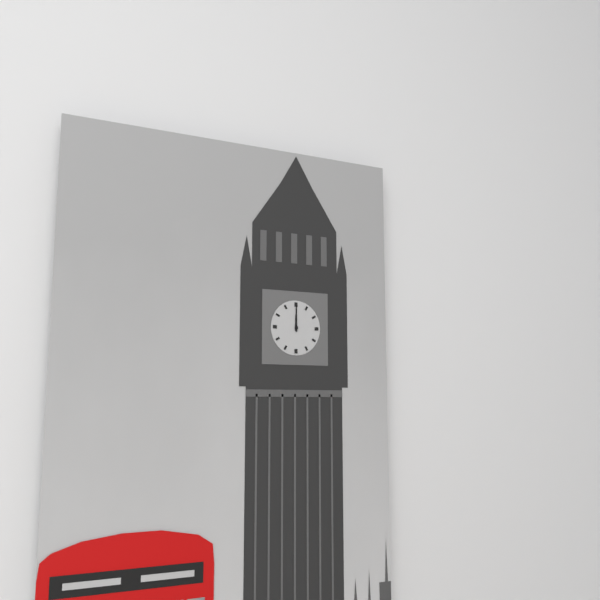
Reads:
{"hour": 12, "minute": 0}
